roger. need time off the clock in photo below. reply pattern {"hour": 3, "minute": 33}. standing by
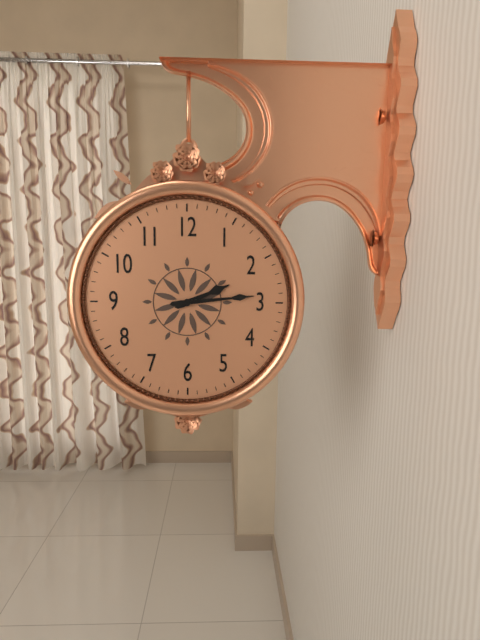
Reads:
{"hour": 2, "minute": 14}
